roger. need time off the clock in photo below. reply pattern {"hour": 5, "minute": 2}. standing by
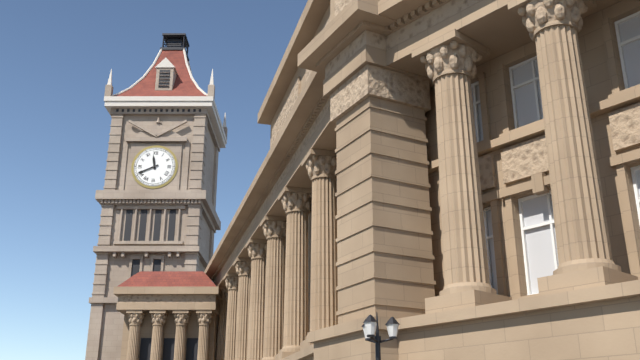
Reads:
{"hour": 11, "minute": 41}
